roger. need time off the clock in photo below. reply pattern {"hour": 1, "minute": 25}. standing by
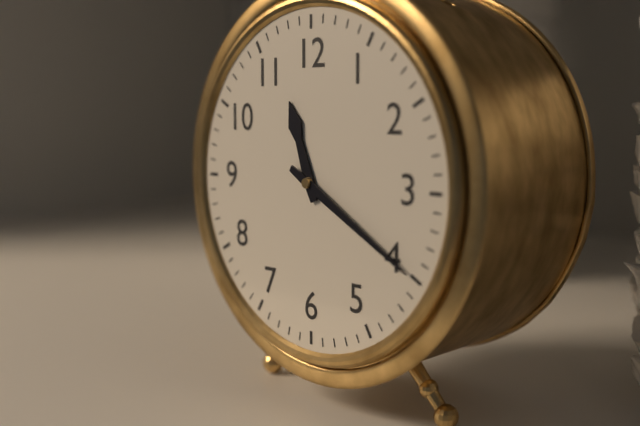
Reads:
{"hour": 11, "minute": 20}
